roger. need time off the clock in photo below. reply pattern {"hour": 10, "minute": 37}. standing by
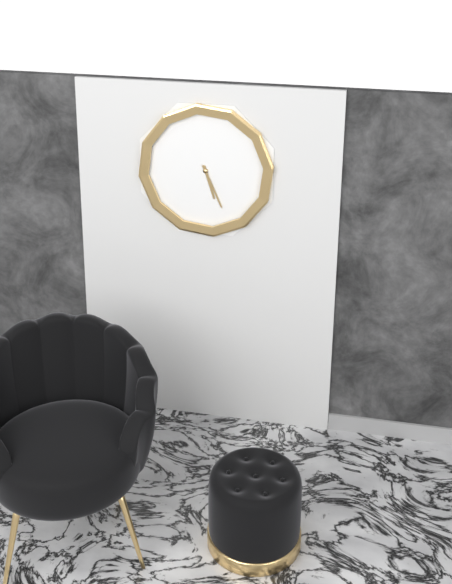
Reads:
{"hour": 5, "minute": 26}
